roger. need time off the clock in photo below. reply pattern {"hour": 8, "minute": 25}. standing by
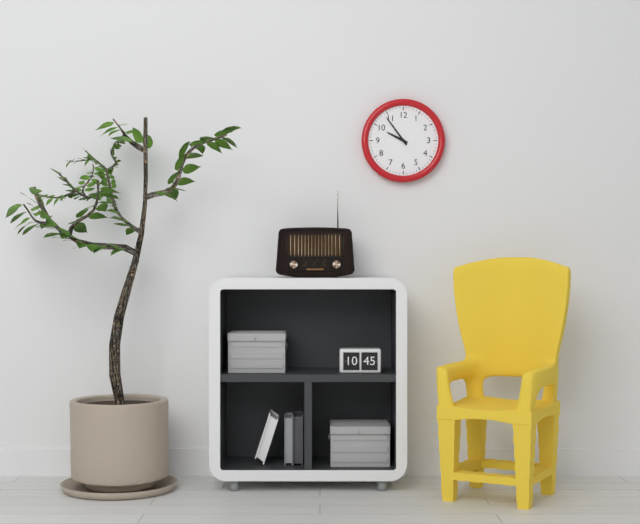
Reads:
{"hour": 9, "minute": 54}
